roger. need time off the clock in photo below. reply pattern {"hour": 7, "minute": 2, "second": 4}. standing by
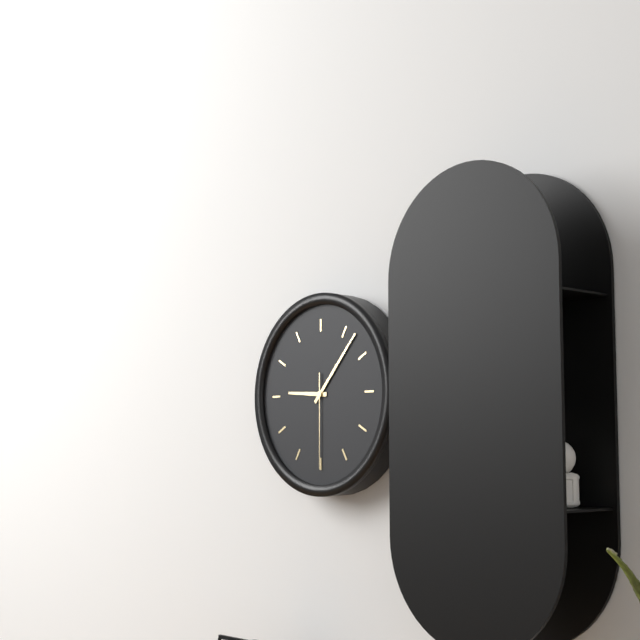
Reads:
{"hour": 9, "minute": 7, "second": 30}
